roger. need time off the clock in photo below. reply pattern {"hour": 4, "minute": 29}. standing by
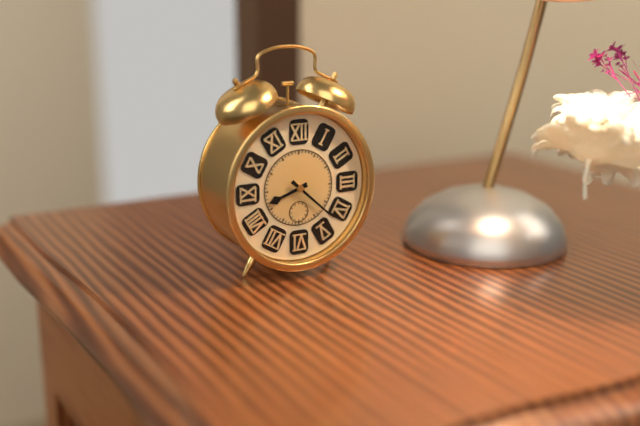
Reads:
{"hour": 8, "minute": 22}
